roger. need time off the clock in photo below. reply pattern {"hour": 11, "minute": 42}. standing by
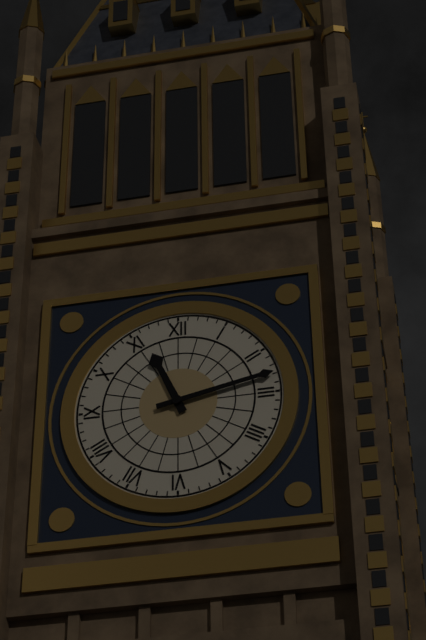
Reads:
{"hour": 11, "minute": 13}
